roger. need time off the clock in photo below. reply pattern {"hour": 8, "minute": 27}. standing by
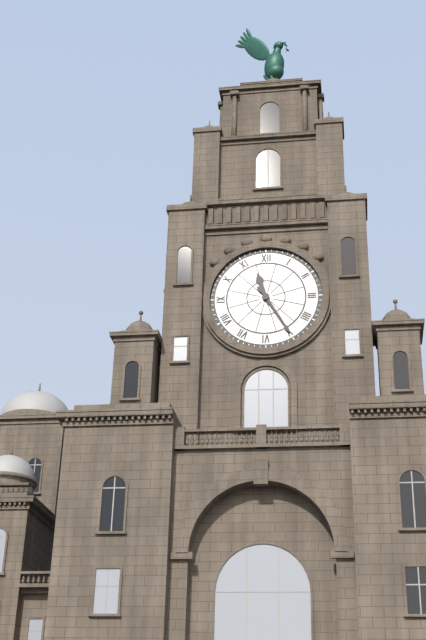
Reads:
{"hour": 11, "minute": 25}
